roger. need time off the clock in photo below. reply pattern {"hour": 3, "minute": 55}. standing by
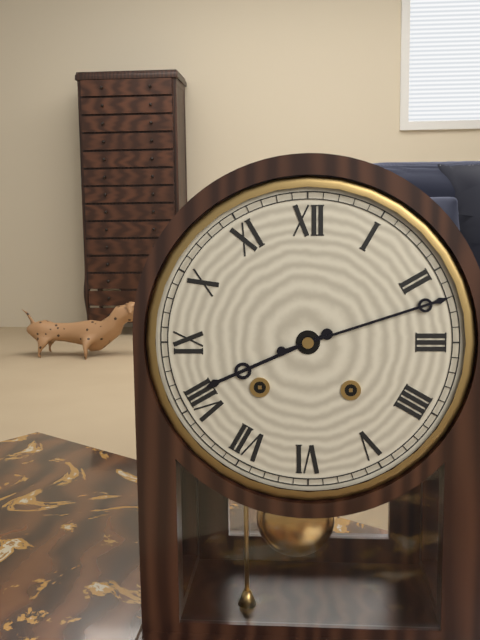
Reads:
{"hour": 8, "minute": 12}
